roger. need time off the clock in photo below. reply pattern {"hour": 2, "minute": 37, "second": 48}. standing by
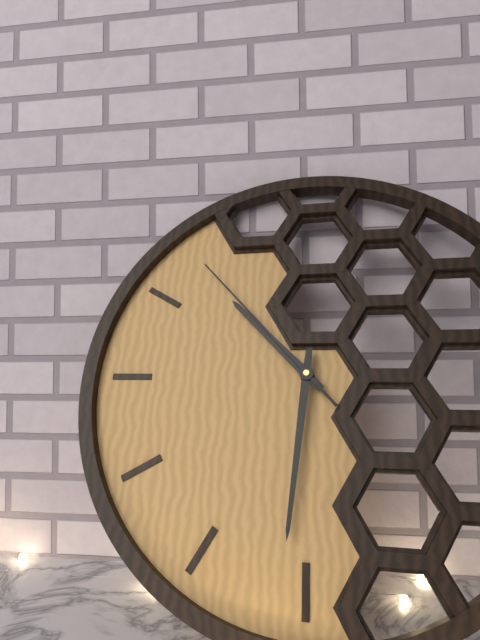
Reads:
{"hour": 10, "minute": 31, "second": 53}
